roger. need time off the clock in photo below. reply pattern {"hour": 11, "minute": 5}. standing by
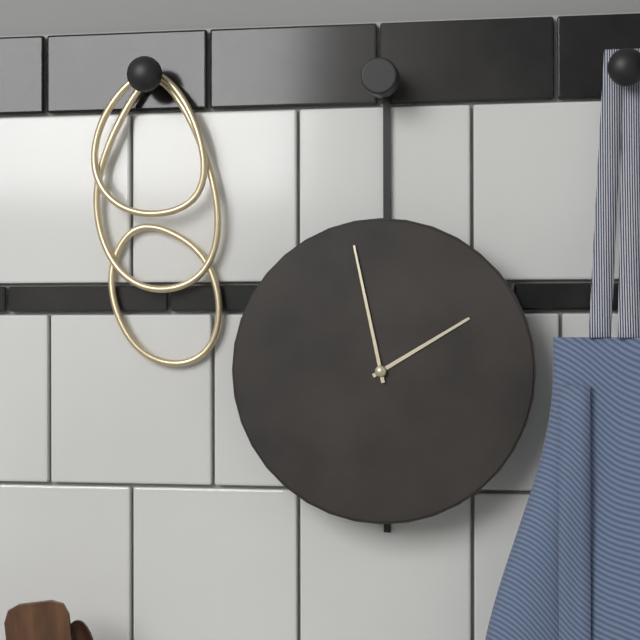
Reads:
{"hour": 1, "minute": 58}
